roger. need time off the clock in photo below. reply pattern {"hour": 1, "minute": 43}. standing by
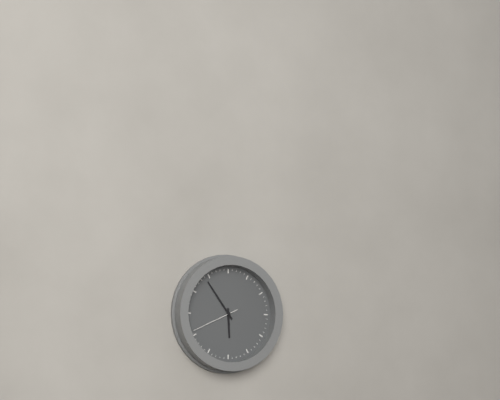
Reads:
{"hour": 5, "minute": 54}
